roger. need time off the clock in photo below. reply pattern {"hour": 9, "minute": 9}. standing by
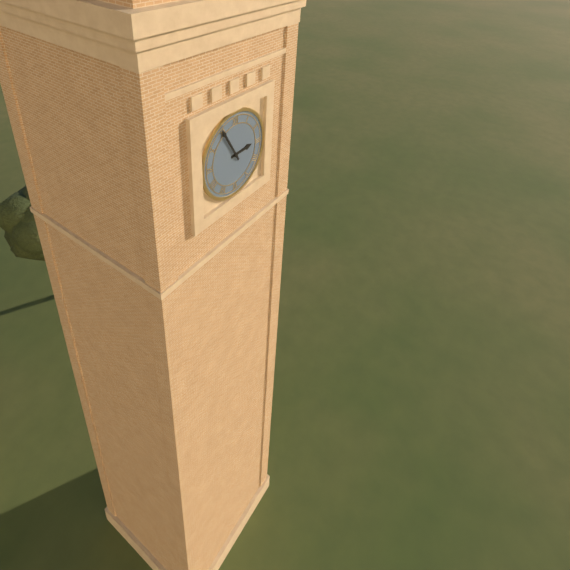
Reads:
{"hour": 2, "minute": 55}
